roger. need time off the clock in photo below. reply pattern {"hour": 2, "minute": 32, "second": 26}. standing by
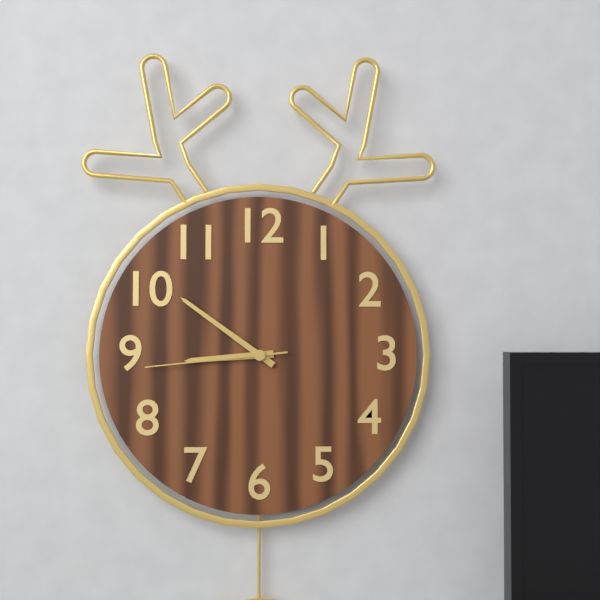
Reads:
{"hour": 8, "minute": 51, "second": 44}
